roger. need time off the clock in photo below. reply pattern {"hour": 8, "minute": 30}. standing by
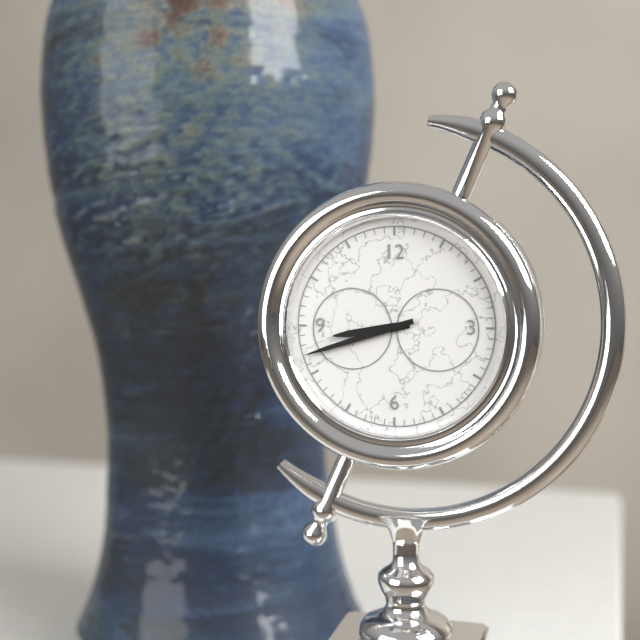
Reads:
{"hour": 8, "minute": 42}
